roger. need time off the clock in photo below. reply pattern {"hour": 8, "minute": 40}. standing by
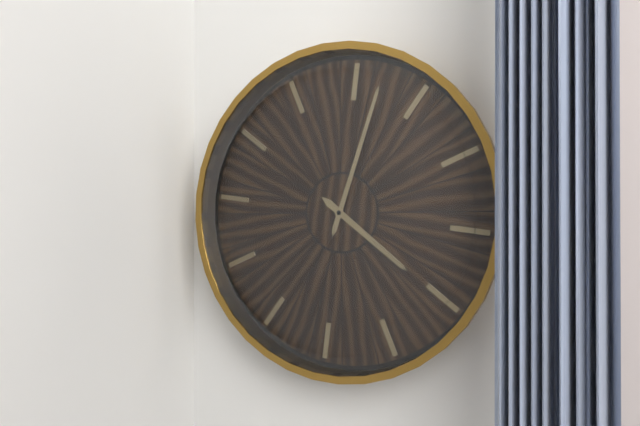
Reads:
{"hour": 4, "minute": 2}
